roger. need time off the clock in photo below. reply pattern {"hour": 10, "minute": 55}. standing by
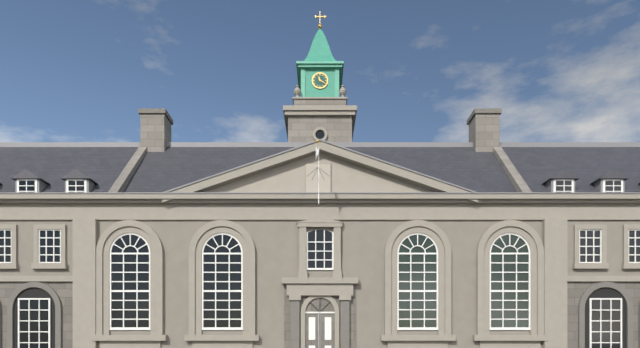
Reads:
{"hour": 11, "minute": 20}
